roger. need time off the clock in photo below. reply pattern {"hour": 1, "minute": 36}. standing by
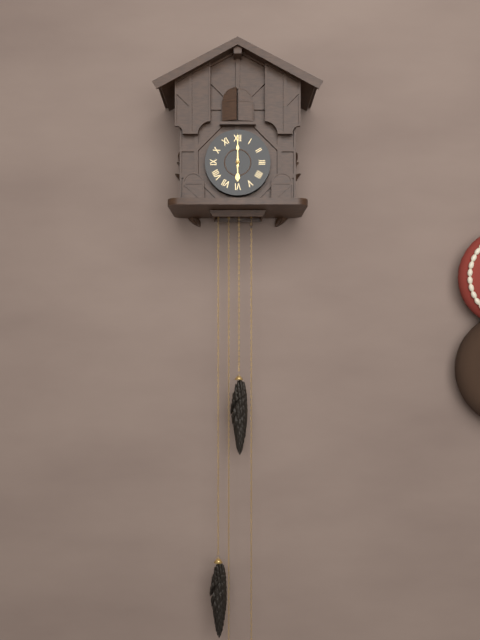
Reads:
{"hour": 6, "minute": 0}
